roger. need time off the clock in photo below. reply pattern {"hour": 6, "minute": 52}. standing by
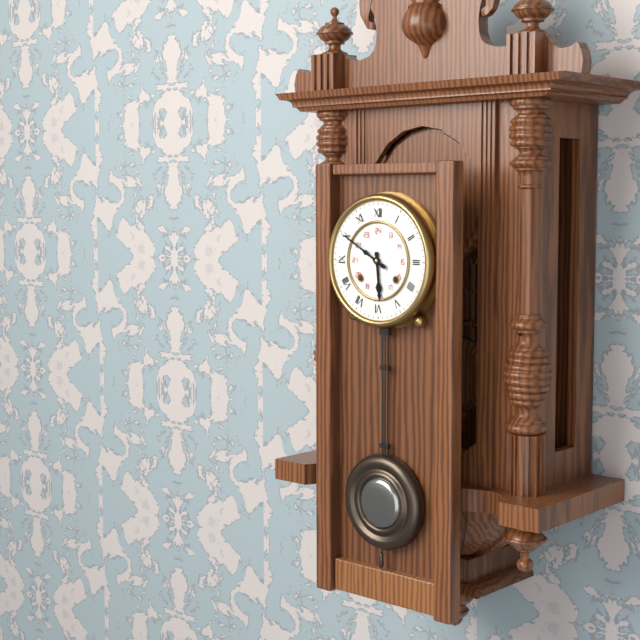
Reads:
{"hour": 5, "minute": 50}
